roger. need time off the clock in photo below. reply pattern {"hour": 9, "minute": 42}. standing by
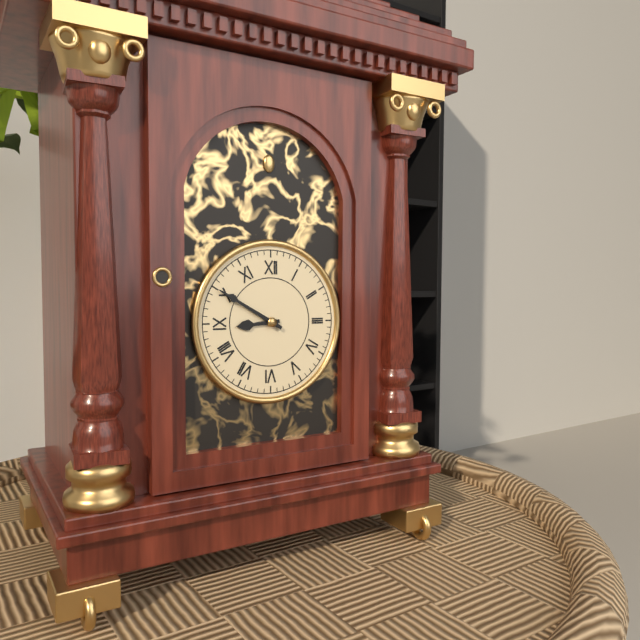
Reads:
{"hour": 8, "minute": 50}
